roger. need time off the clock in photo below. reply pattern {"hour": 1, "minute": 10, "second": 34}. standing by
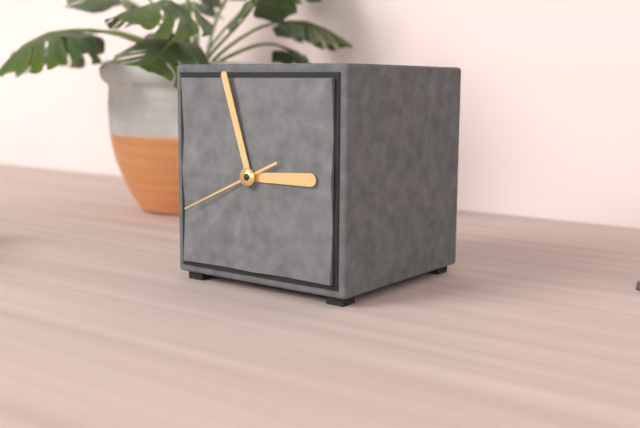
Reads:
{"hour": 2, "minute": 57, "second": 41}
